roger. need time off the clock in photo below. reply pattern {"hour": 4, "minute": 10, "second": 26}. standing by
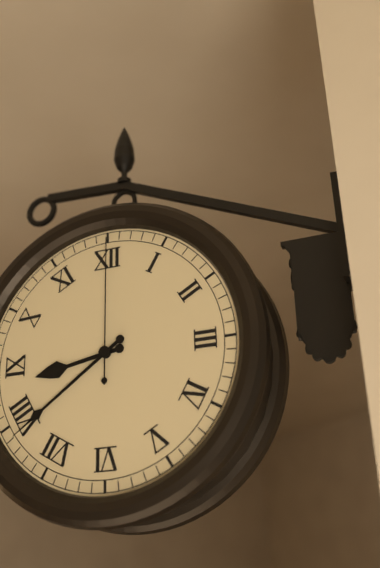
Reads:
{"hour": 8, "minute": 39, "second": 0}
